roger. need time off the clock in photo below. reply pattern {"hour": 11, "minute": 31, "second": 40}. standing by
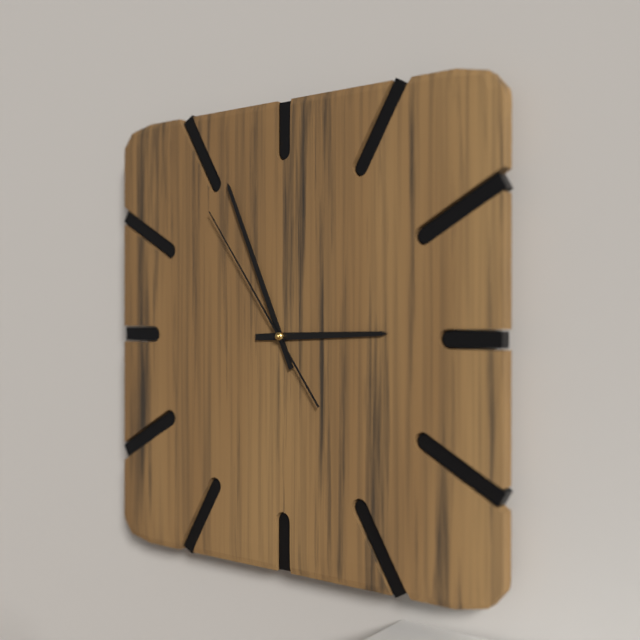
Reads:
{"hour": 2, "minute": 56, "second": 54}
